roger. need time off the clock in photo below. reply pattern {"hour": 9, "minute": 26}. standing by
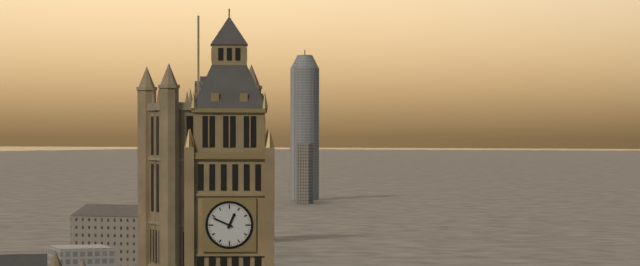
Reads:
{"hour": 12, "minute": 49}
